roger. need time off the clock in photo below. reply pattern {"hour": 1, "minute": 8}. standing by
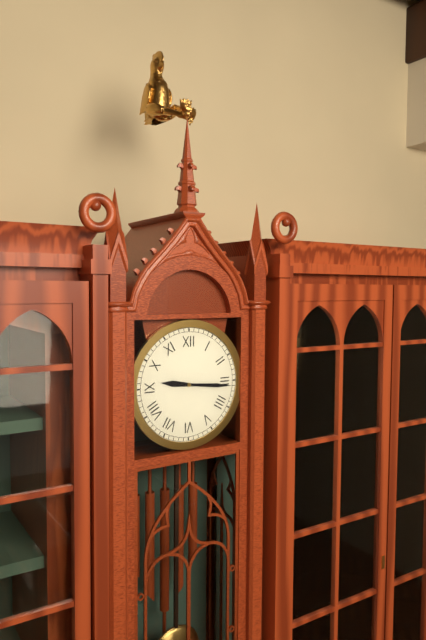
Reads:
{"hour": 9, "minute": 16}
